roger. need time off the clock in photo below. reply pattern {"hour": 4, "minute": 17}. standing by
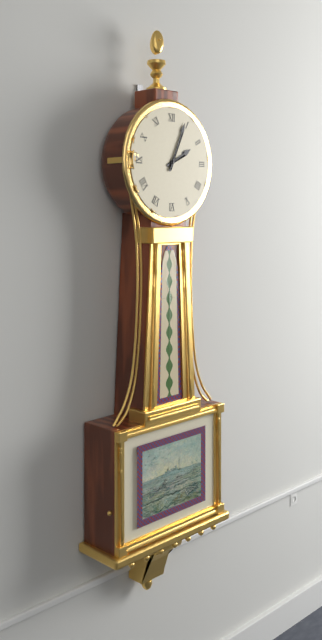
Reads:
{"hour": 2, "minute": 4}
